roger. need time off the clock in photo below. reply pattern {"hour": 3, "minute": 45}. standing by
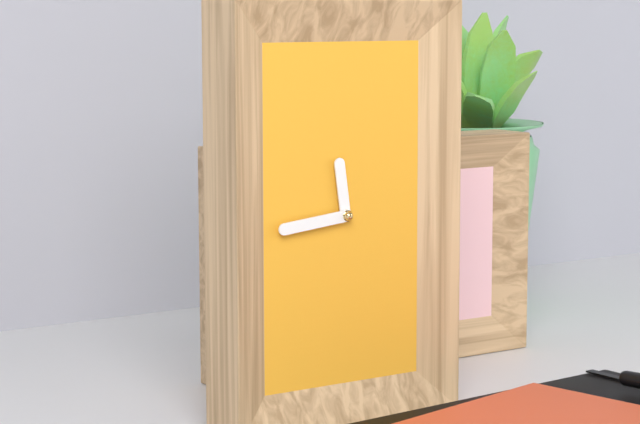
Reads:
{"hour": 11, "minute": 44}
